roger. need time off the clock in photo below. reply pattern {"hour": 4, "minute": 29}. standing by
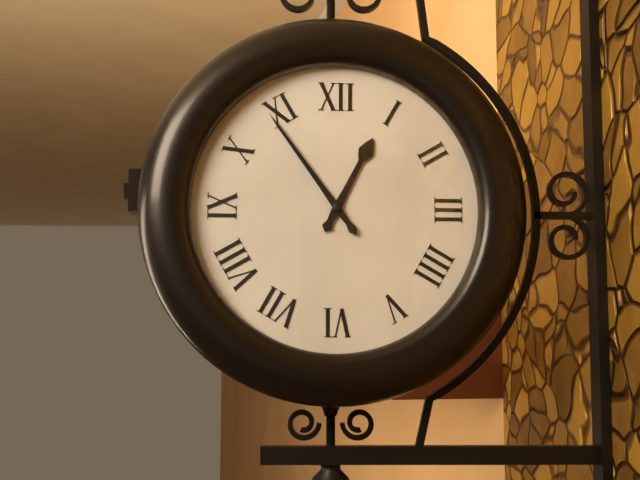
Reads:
{"hour": 12, "minute": 54}
